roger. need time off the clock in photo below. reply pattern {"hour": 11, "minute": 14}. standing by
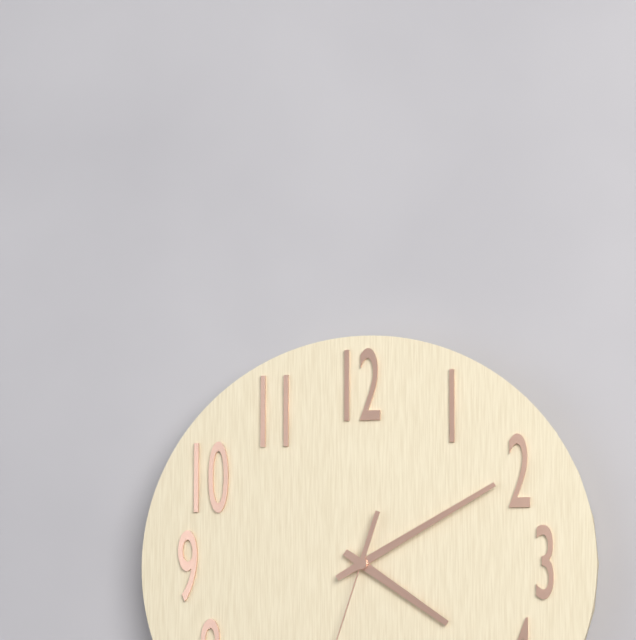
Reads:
{"hour": 4, "minute": 10}
